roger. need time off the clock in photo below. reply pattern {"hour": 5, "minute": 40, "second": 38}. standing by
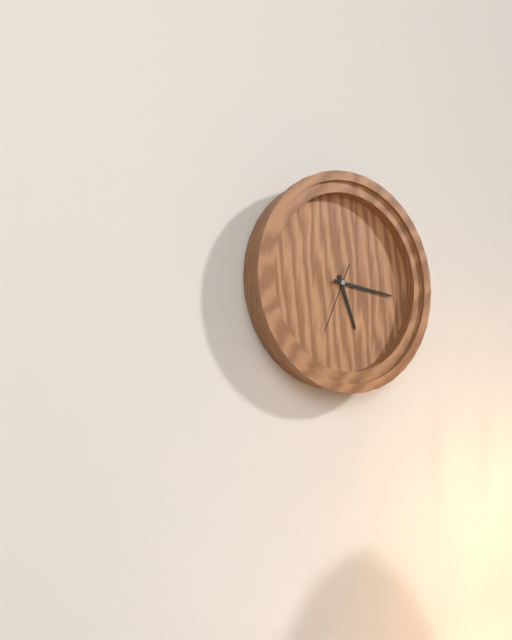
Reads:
{"hour": 5, "minute": 16, "second": 34}
